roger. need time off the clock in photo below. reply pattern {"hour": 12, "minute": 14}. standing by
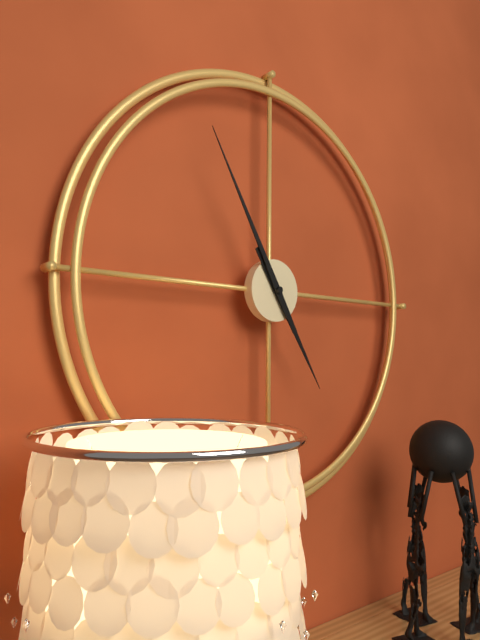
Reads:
{"hour": 4, "minute": 55}
